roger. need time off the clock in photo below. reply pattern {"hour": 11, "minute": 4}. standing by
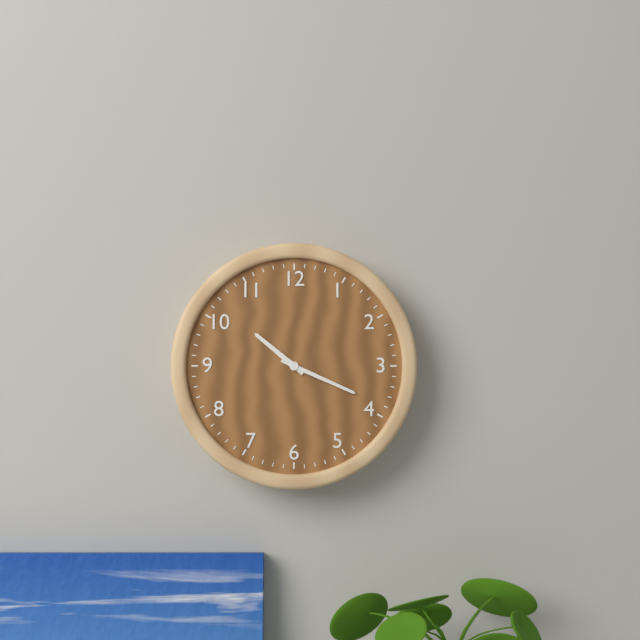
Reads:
{"hour": 10, "minute": 19}
